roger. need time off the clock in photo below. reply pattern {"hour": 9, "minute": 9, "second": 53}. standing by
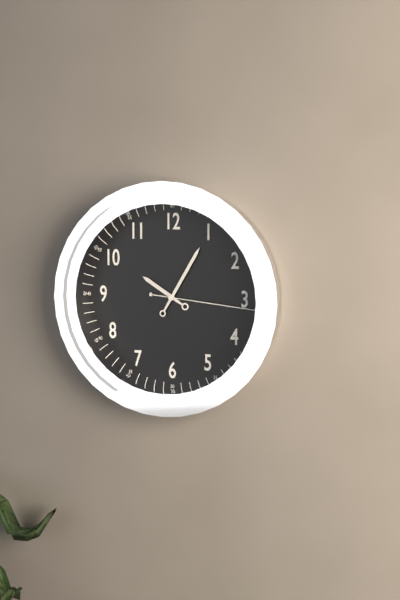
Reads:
{"hour": 10, "minute": 5, "second": 16}
